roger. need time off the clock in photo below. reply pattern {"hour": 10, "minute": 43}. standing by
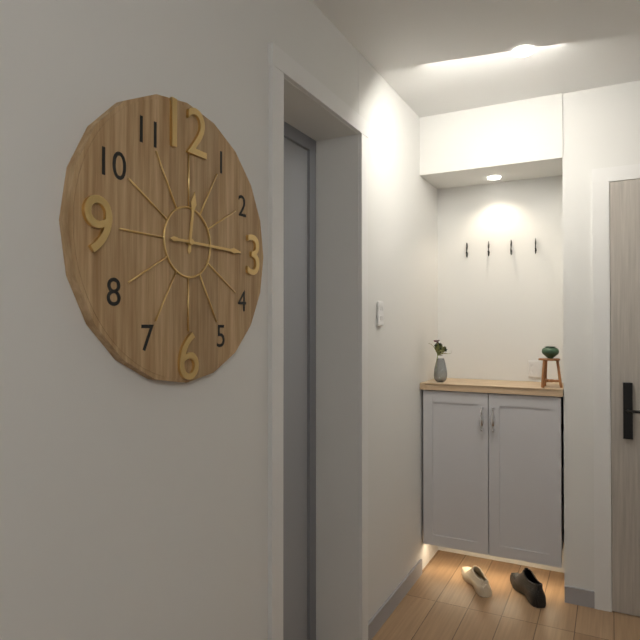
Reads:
{"hour": 12, "minute": 15}
